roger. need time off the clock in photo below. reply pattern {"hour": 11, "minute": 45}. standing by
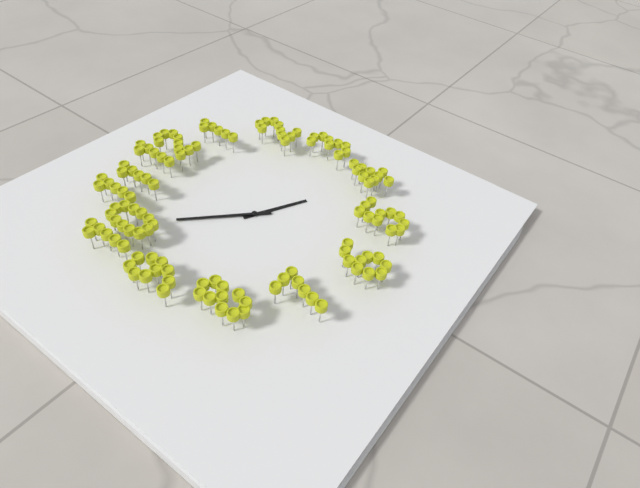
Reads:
{"hour": 3, "minute": 52}
